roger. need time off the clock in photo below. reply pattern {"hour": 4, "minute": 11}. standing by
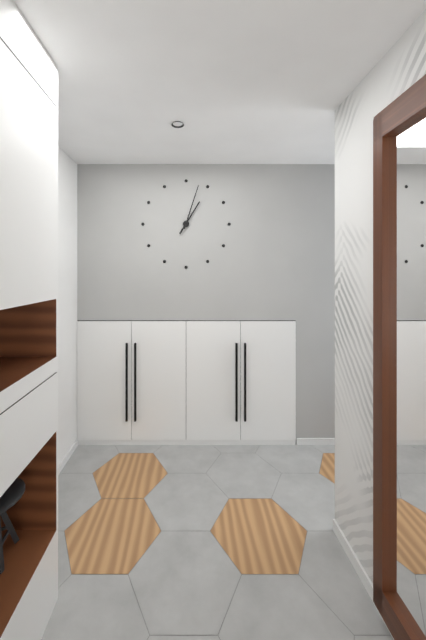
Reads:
{"hour": 1, "minute": 3}
